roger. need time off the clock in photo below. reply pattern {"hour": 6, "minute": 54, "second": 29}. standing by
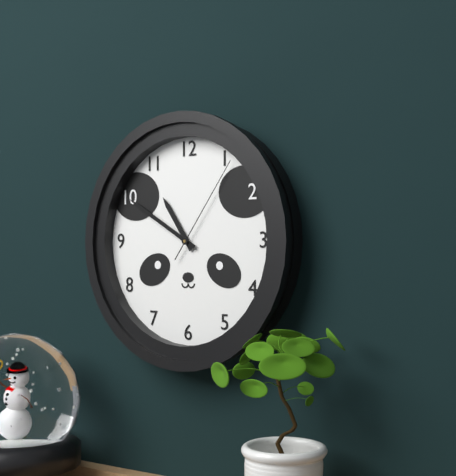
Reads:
{"hour": 10, "minute": 50, "second": 6}
